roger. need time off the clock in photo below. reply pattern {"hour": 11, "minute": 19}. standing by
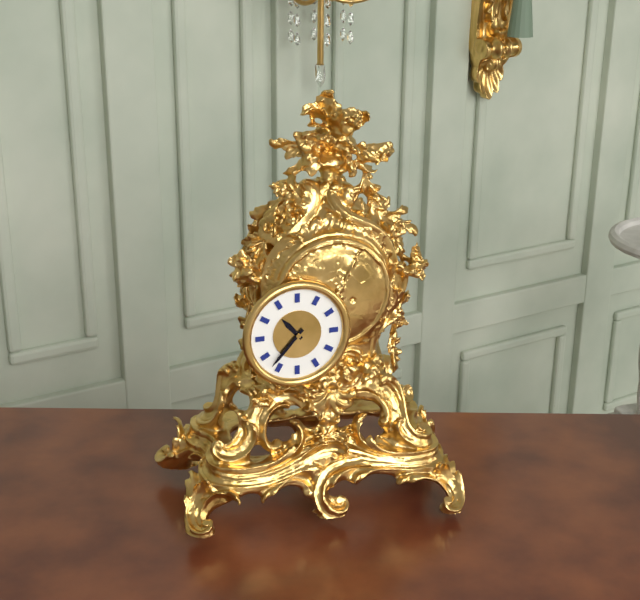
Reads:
{"hour": 10, "minute": 37}
